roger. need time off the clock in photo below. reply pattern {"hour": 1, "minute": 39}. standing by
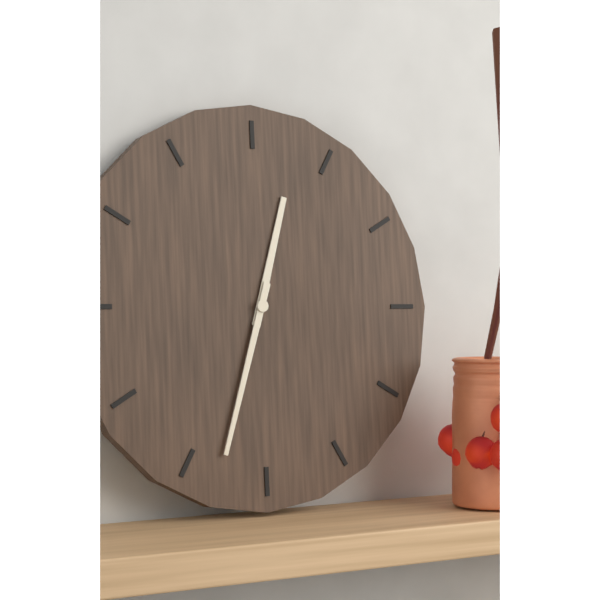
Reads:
{"hour": 12, "minute": 33}
